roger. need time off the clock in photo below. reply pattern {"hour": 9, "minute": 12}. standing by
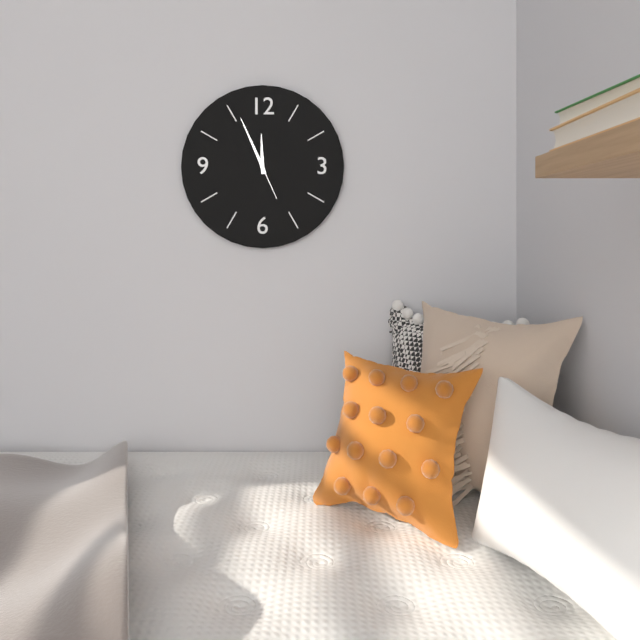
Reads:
{"hour": 11, "minute": 56}
